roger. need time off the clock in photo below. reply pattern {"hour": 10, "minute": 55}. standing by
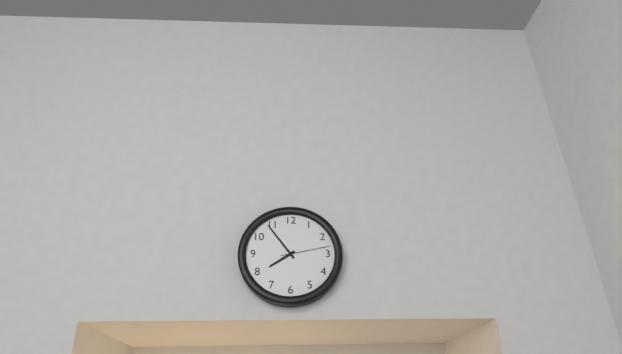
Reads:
{"hour": 7, "minute": 54}
